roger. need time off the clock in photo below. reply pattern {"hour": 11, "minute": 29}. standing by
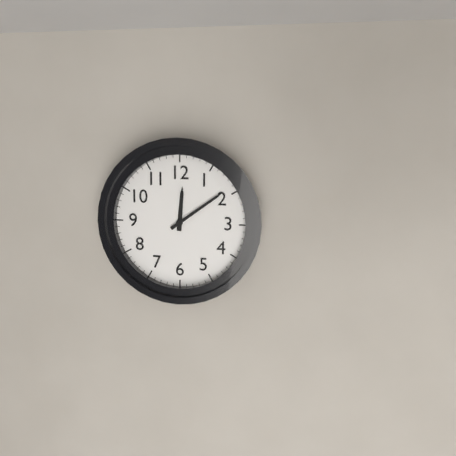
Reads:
{"hour": 12, "minute": 9}
